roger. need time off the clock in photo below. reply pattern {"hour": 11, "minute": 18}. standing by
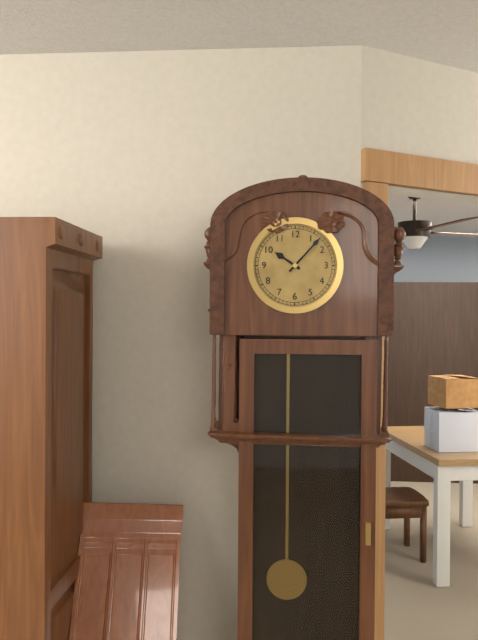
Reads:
{"hour": 10, "minute": 7}
